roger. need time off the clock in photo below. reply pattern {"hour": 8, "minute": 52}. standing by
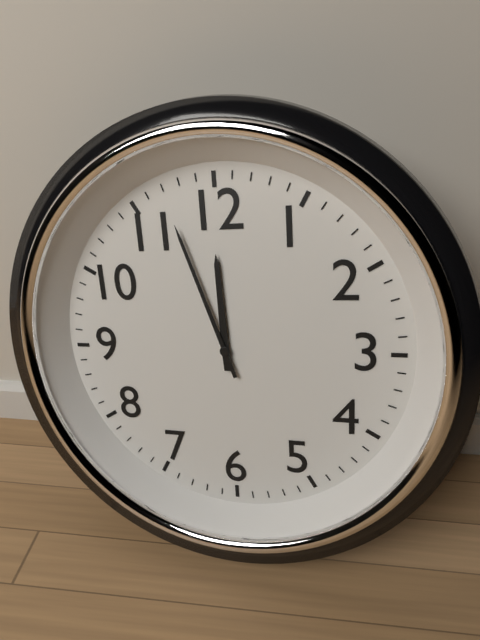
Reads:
{"hour": 11, "minute": 57}
